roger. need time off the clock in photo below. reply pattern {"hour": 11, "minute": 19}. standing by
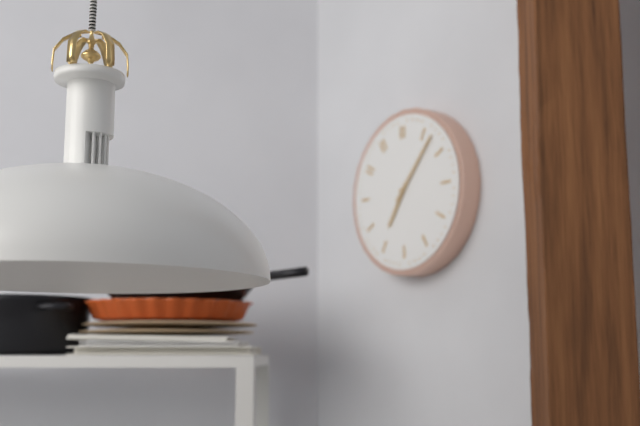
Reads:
{"hour": 7, "minute": 7}
